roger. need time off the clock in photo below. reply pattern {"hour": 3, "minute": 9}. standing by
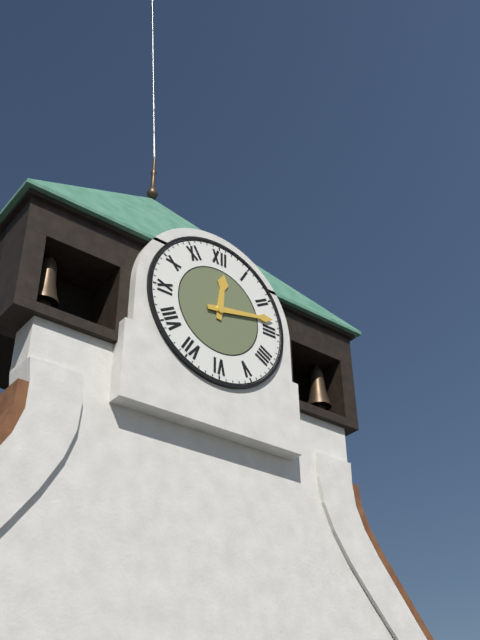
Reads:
{"hour": 12, "minute": 13}
